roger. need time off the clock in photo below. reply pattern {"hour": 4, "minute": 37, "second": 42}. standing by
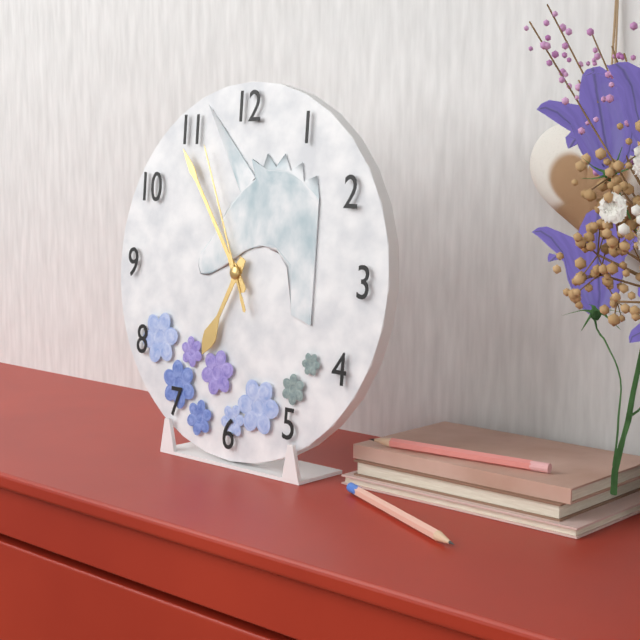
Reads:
{"hour": 6, "minute": 54, "second": 56}
